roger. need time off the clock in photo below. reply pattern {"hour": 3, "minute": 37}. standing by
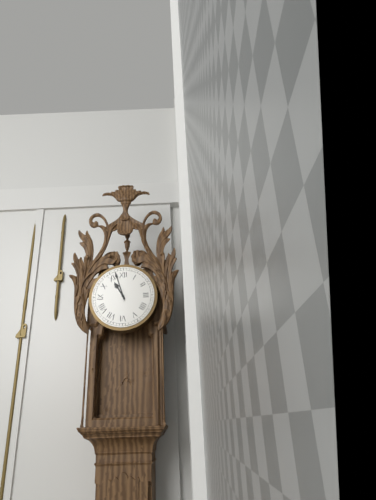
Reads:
{"hour": 10, "minute": 57}
